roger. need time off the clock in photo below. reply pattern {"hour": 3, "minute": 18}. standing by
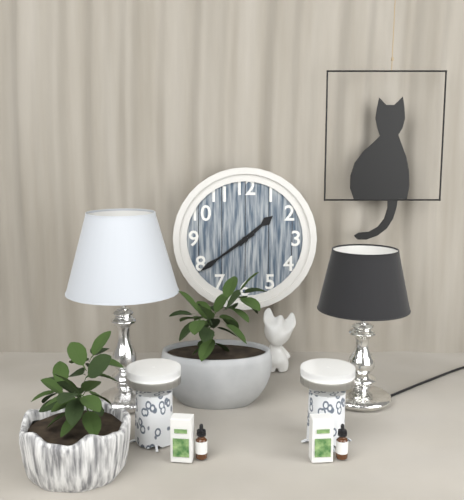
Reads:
{"hour": 1, "minute": 39}
